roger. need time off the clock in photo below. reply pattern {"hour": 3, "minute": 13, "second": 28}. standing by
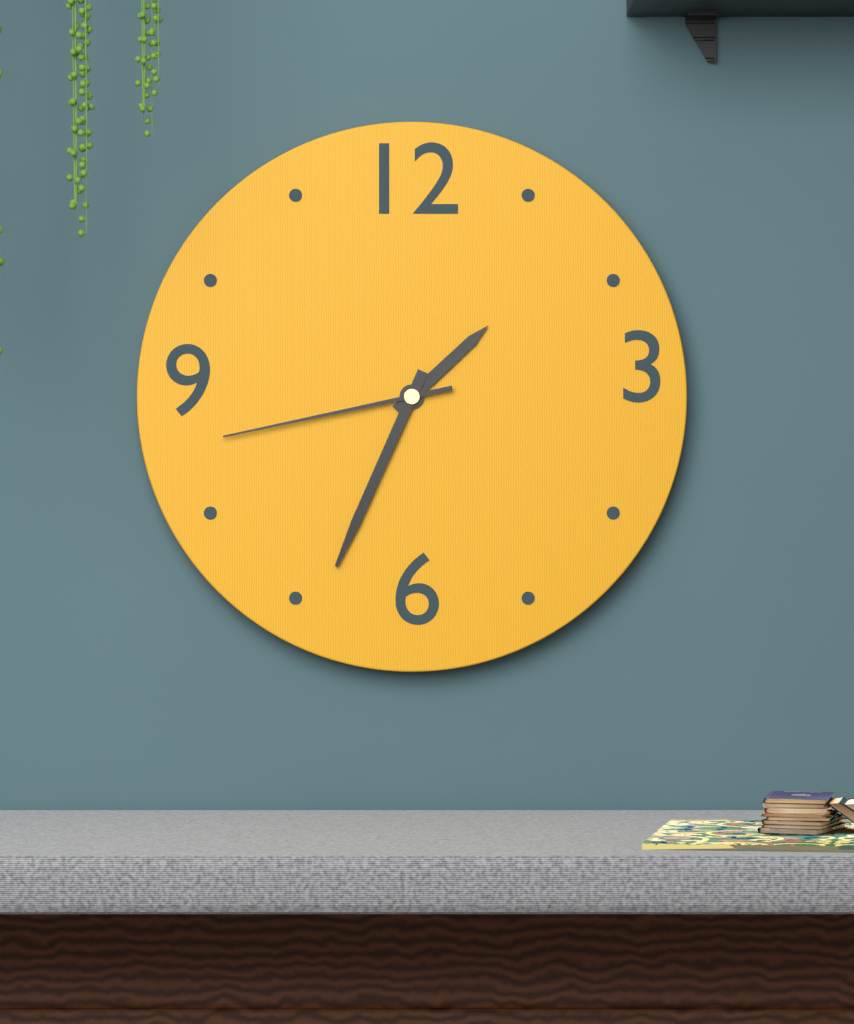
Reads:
{"hour": 1, "minute": 34, "second": 43}
